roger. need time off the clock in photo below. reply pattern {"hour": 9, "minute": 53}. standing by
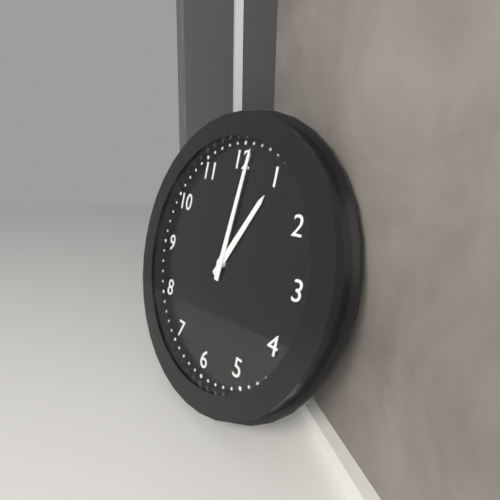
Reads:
{"hour": 1, "minute": 1}
